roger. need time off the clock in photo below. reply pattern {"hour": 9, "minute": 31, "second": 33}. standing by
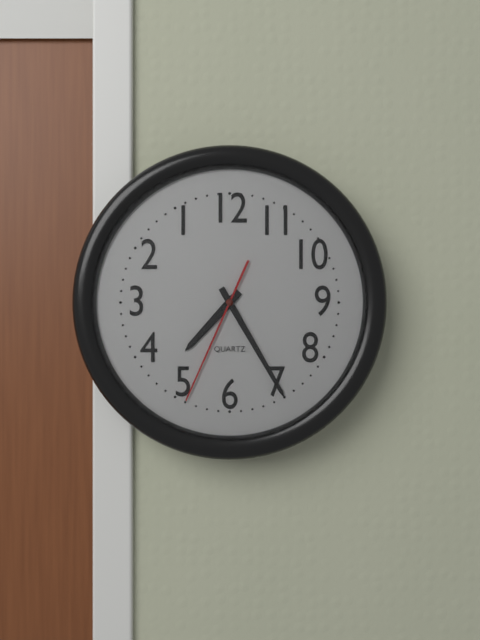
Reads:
{"hour": 7, "minute": 25, "second": 34}
